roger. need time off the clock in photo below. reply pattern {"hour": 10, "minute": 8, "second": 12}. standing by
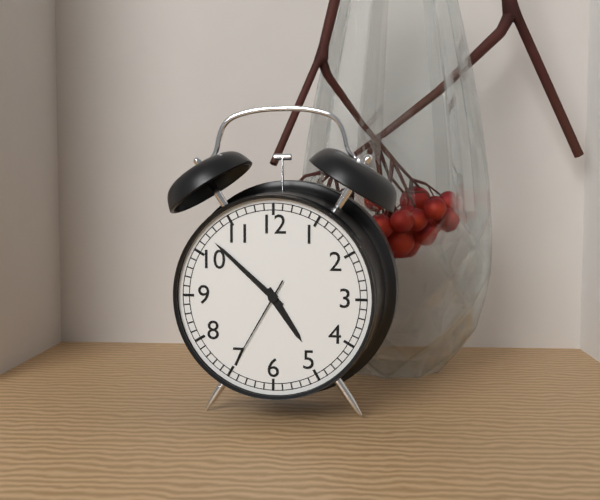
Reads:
{"hour": 4, "minute": 52, "second": 35}
